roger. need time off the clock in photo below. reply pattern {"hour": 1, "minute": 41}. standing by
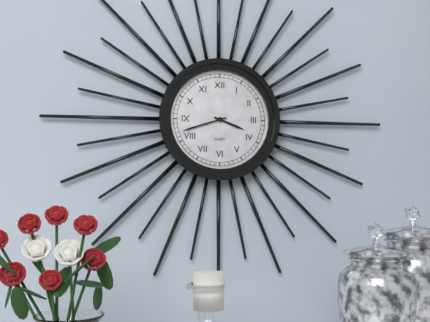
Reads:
{"hour": 3, "minute": 42}
